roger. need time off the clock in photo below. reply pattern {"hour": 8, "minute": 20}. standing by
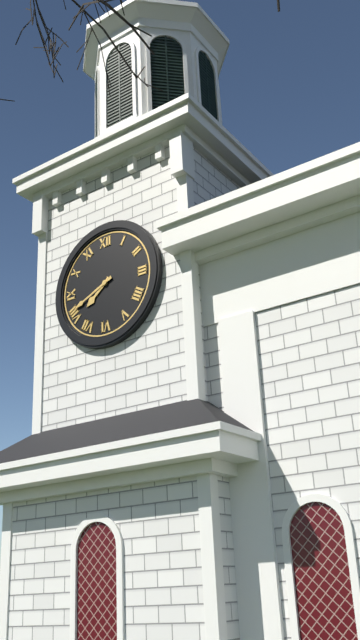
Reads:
{"hour": 7, "minute": 41}
